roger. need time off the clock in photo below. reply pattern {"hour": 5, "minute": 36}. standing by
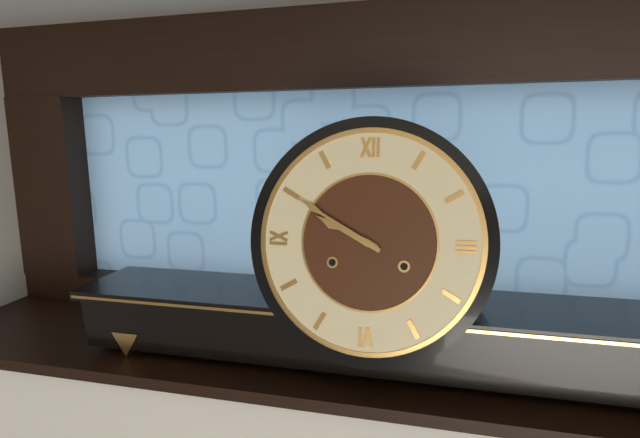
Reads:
{"hour": 9, "minute": 50}
